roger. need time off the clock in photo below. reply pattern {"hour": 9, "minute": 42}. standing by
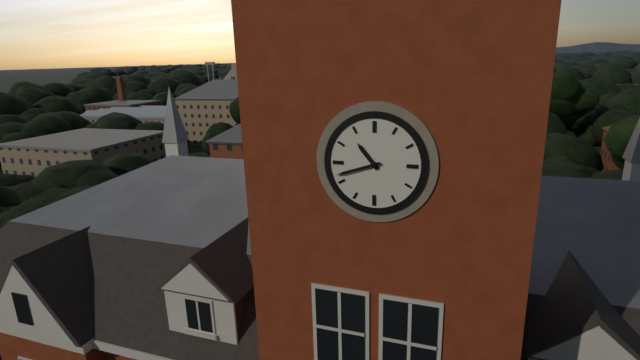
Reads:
{"hour": 10, "minute": 42}
